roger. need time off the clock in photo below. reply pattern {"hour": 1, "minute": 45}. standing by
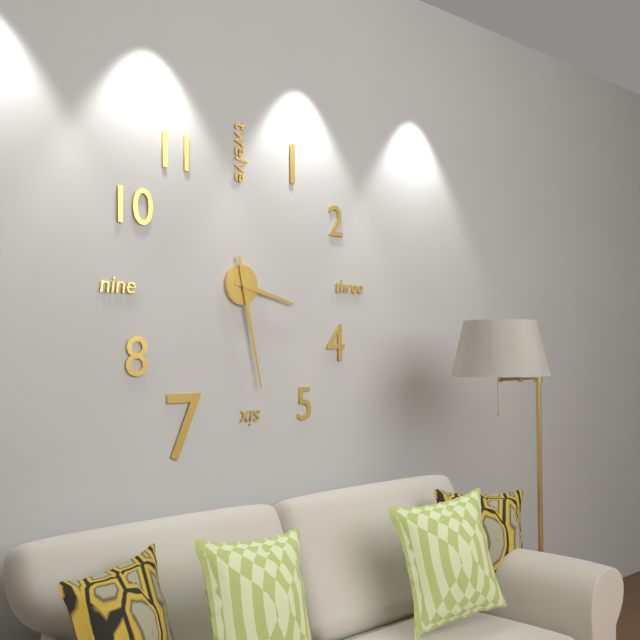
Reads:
{"hour": 3, "minute": 28}
